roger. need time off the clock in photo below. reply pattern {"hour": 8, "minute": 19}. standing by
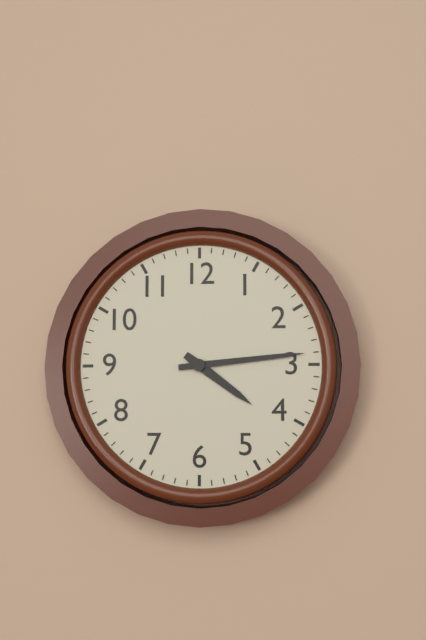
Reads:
{"hour": 4, "minute": 14}
